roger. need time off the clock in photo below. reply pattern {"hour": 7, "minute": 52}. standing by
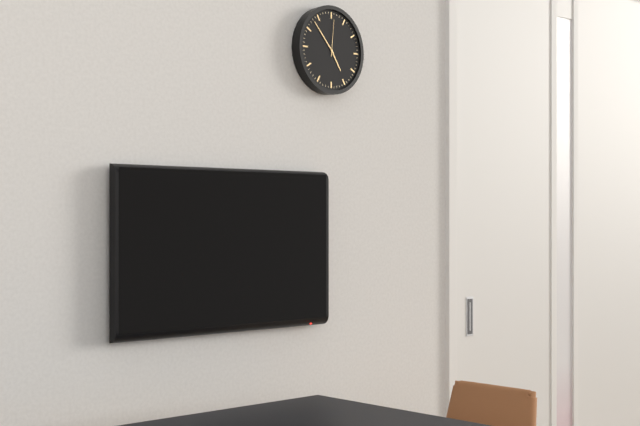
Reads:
{"hour": 4, "minute": 53}
